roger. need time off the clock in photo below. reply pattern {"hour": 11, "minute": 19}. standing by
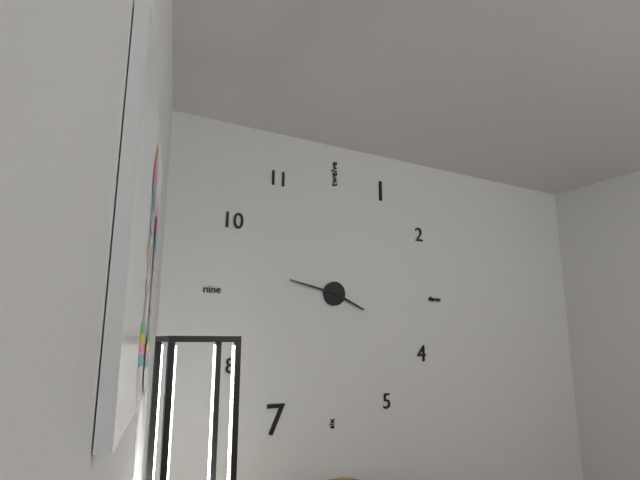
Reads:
{"hour": 3, "minute": 47}
